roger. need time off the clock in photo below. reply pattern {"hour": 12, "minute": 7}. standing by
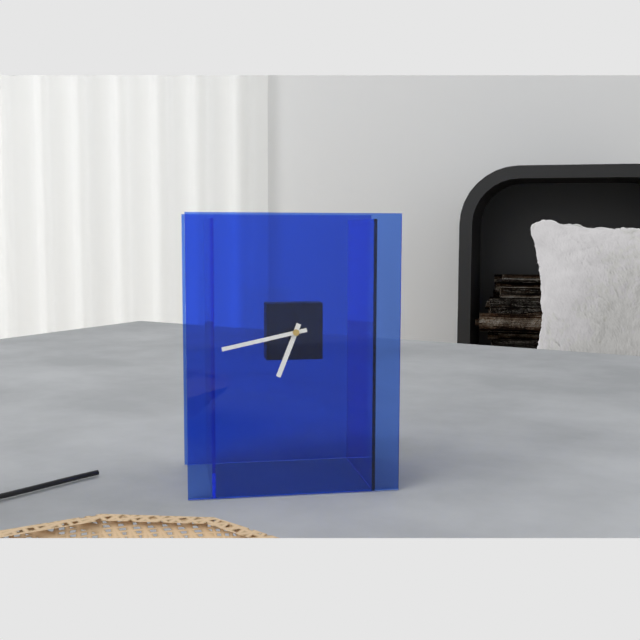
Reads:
{"hour": 6, "minute": 43}
